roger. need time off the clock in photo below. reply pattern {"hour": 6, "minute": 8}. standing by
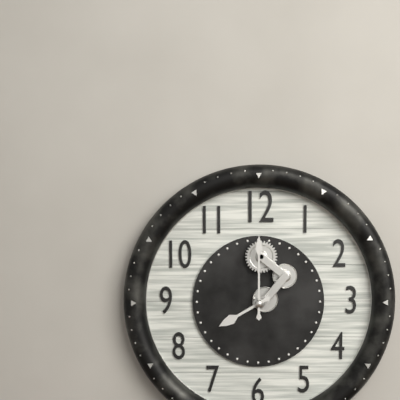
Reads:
{"hour": 8, "minute": 0}
